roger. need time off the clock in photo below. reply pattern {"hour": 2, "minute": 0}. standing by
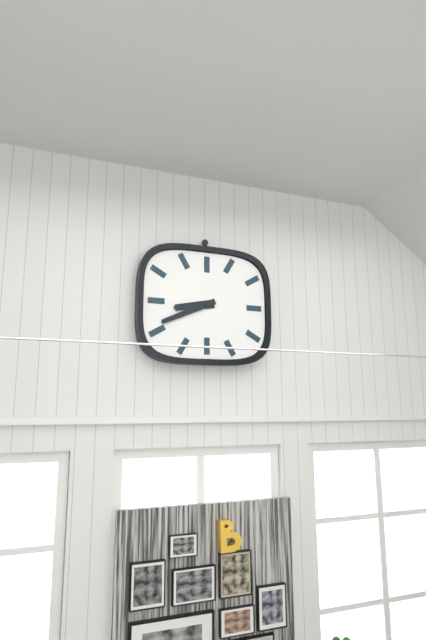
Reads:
{"hour": 8, "minute": 41}
